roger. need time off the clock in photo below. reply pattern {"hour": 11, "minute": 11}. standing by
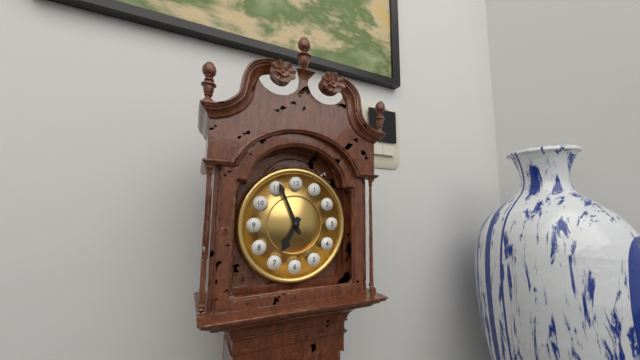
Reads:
{"hour": 6, "minute": 56}
